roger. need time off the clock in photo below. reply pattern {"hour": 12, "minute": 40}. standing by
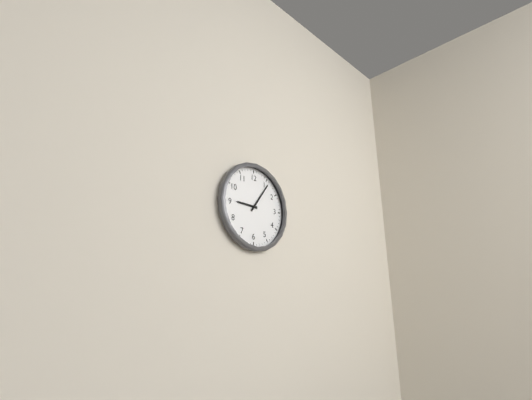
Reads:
{"hour": 9, "minute": 6}
